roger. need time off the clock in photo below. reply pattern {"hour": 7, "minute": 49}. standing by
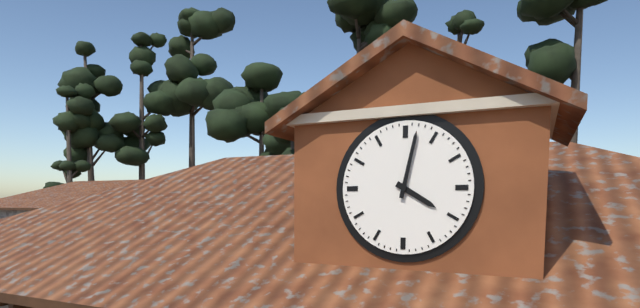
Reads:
{"hour": 4, "minute": 2}
